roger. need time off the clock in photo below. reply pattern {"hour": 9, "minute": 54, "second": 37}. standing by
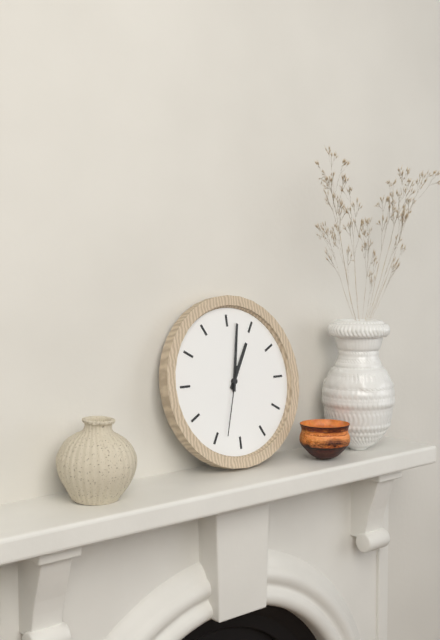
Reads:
{"hour": 1, "minute": 2, "second": 33}
